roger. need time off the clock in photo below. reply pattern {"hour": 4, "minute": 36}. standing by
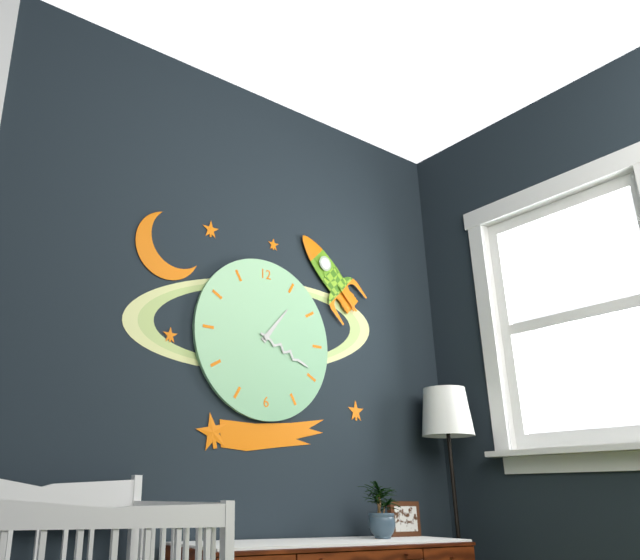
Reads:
{"hour": 1, "minute": 19}
